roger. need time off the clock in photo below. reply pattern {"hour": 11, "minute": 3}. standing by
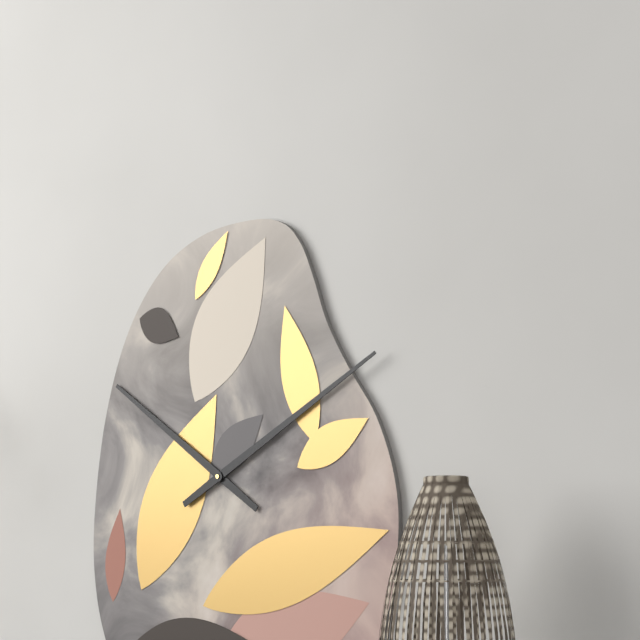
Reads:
{"hour": 10, "minute": 10}
